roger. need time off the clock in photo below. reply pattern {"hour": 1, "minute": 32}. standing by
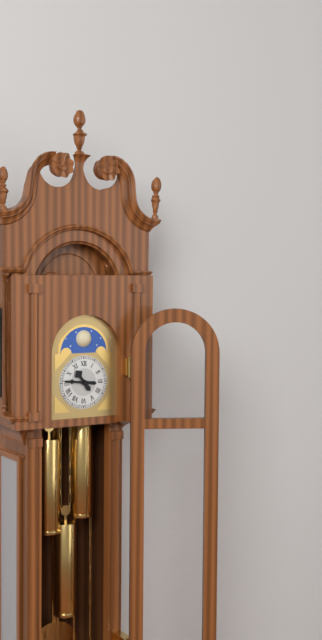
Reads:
{"hour": 10, "minute": 46}
